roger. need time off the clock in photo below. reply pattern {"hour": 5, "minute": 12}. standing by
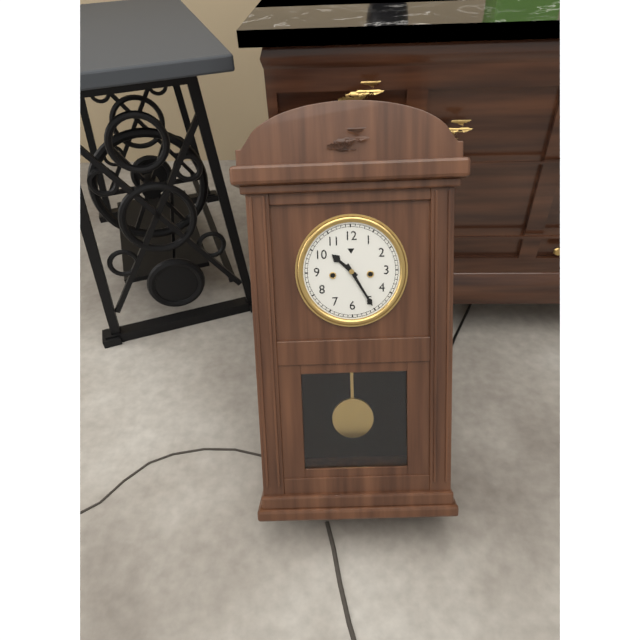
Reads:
{"hour": 10, "minute": 25}
